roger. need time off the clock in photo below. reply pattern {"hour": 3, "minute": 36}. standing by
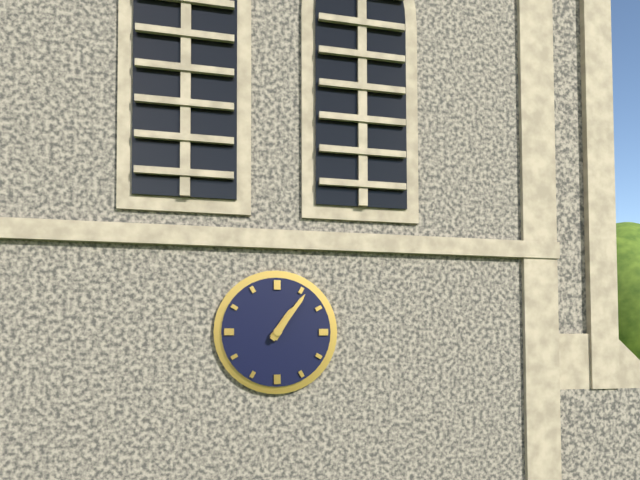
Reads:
{"hour": 1, "minute": 6}
